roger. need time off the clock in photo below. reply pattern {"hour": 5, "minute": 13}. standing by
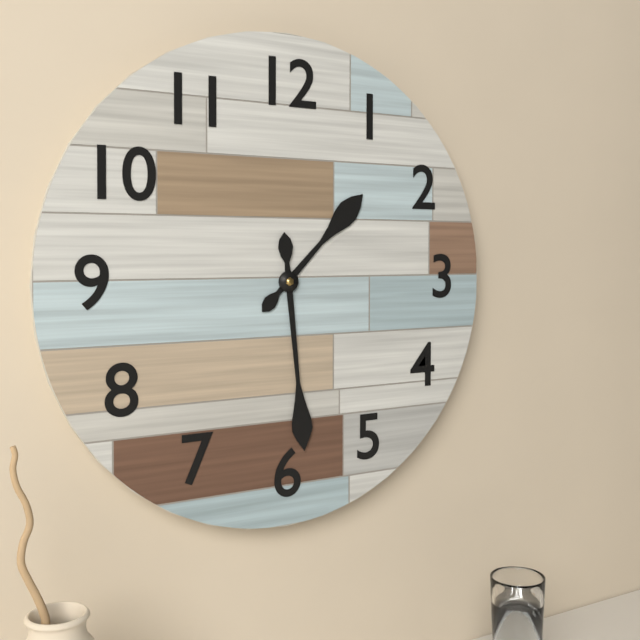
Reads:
{"hour": 1, "minute": 29}
